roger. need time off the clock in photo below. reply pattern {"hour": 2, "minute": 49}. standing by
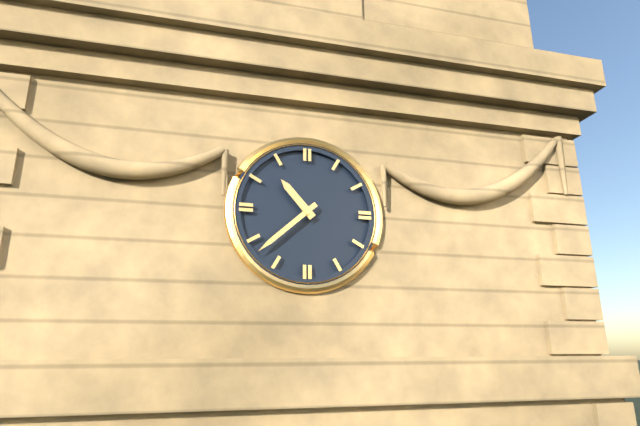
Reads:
{"hour": 10, "minute": 38}
